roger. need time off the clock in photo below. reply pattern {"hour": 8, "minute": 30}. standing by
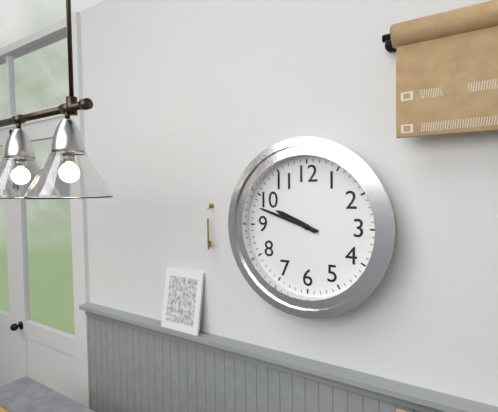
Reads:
{"hour": 9, "minute": 48}
